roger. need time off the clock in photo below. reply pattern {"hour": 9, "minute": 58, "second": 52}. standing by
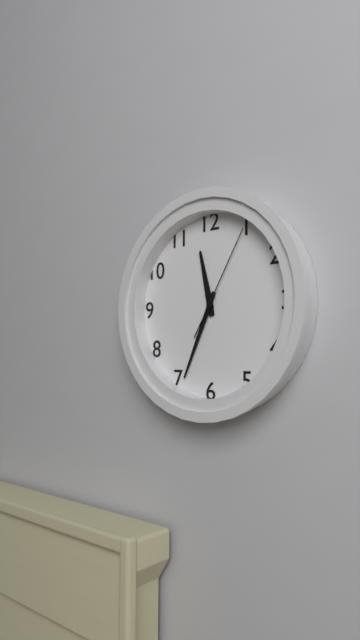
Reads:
{"hour": 11, "minute": 34, "second": 5}
